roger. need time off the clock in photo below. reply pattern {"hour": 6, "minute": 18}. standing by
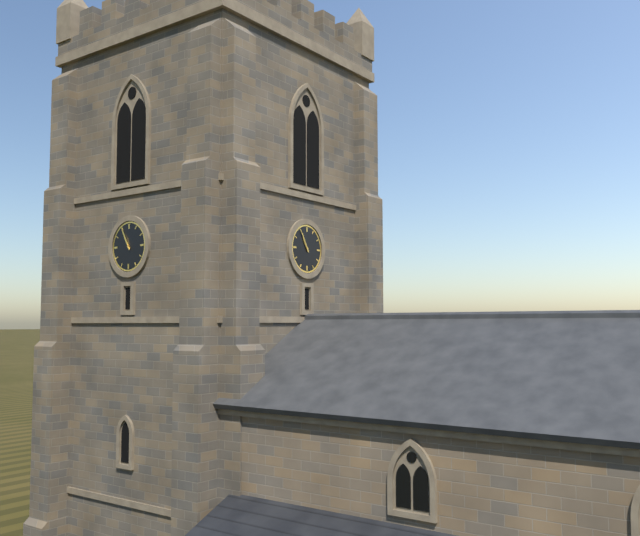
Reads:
{"hour": 10, "minute": 55}
